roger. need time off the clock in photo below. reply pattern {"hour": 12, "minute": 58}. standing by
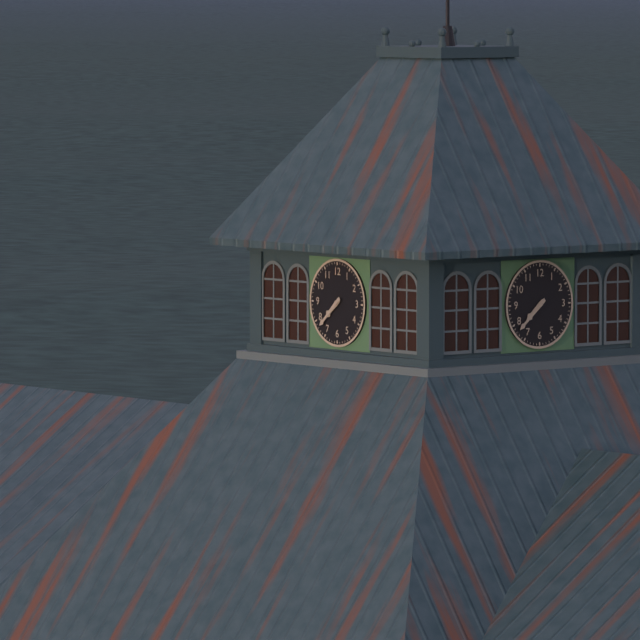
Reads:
{"hour": 7, "minute": 38}
